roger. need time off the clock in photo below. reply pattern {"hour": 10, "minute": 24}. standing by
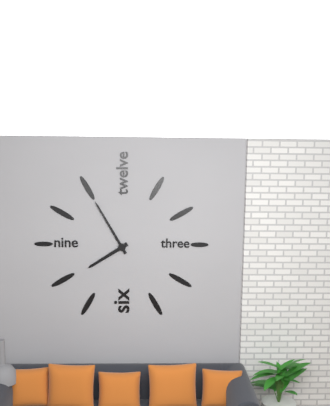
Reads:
{"hour": 7, "minute": 55}
